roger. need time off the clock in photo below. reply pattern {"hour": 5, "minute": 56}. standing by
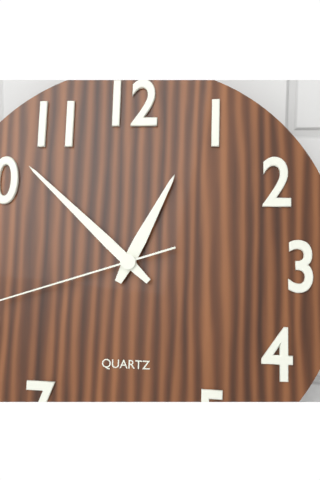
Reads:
{"hour": 12, "minute": 52}
